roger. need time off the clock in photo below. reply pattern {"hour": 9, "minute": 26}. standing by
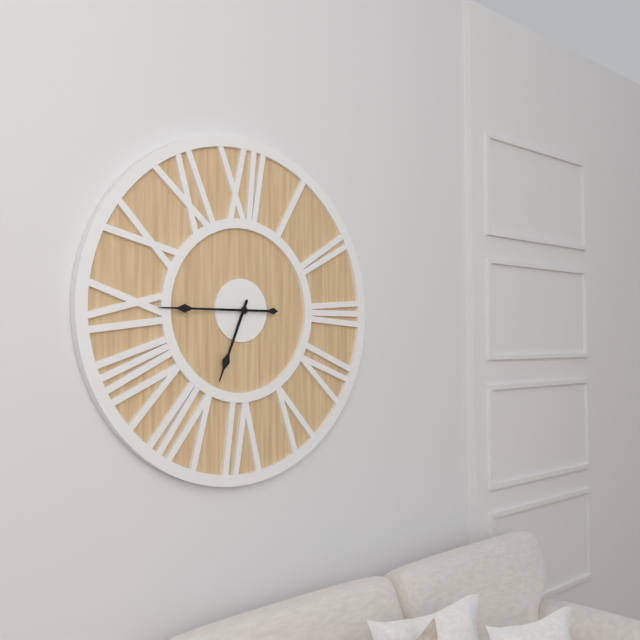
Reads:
{"hour": 6, "minute": 45}
